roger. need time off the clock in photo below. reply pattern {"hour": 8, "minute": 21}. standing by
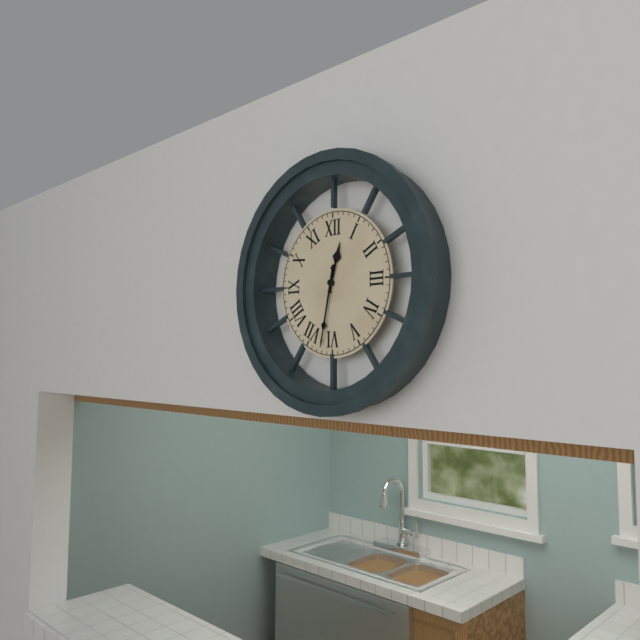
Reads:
{"hour": 12, "minute": 32}
